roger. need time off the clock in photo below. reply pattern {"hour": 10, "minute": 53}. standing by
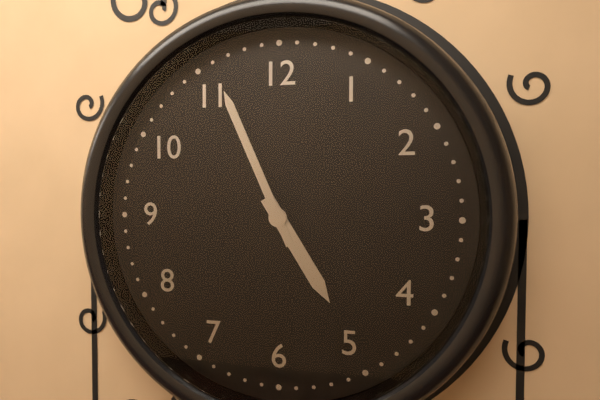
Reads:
{"hour": 4, "minute": 56}
